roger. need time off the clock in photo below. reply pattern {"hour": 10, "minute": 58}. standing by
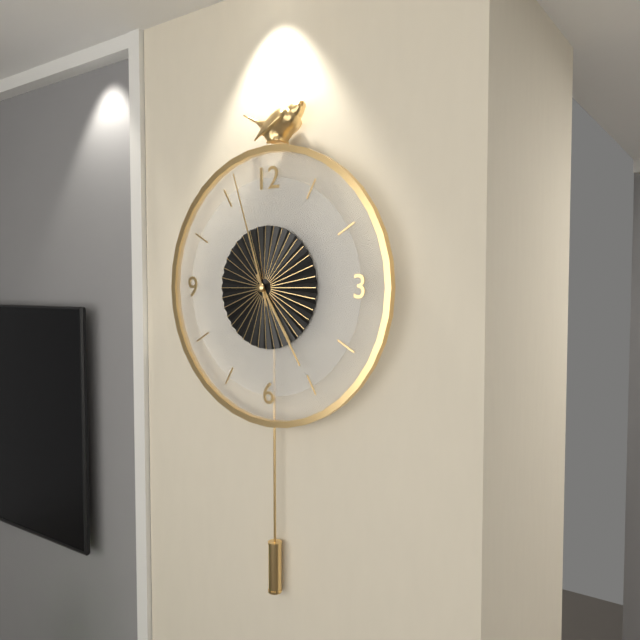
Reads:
{"hour": 4, "minute": 57}
